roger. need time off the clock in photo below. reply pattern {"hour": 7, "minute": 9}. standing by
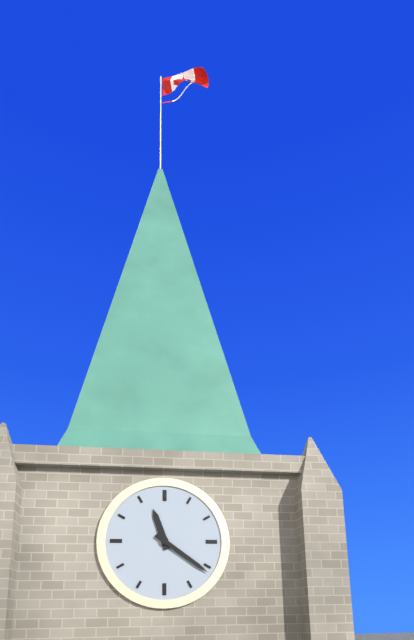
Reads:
{"hour": 11, "minute": 21}
